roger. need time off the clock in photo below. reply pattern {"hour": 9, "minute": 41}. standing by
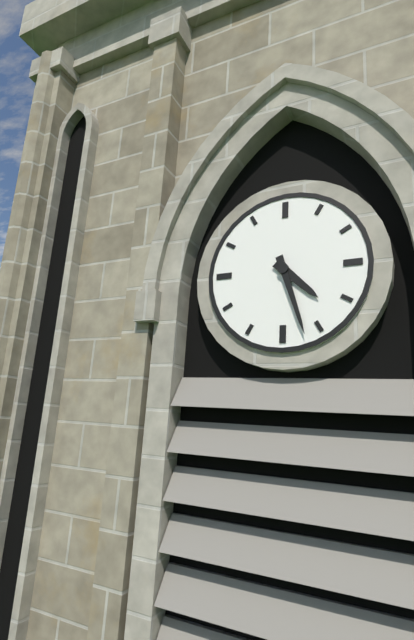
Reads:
{"hour": 4, "minute": 27}
